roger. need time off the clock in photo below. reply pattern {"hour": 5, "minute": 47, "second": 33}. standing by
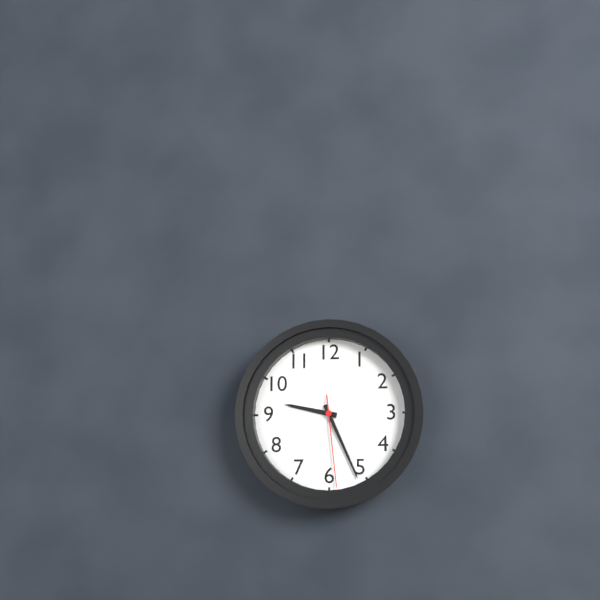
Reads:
{"hour": 9, "minute": 26, "second": 29}
